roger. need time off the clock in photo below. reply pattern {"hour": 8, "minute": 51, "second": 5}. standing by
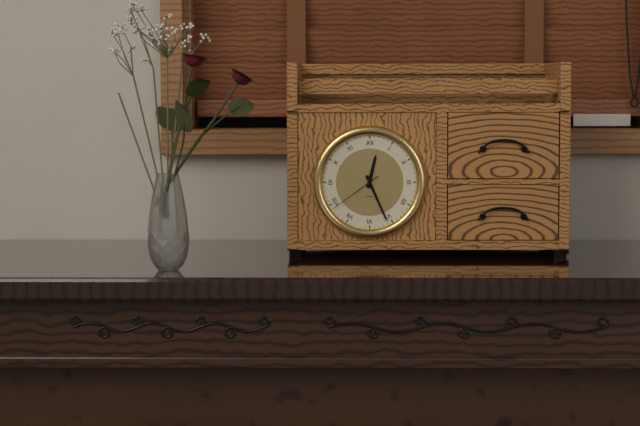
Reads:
{"hour": 12, "minute": 26, "second": 39}
